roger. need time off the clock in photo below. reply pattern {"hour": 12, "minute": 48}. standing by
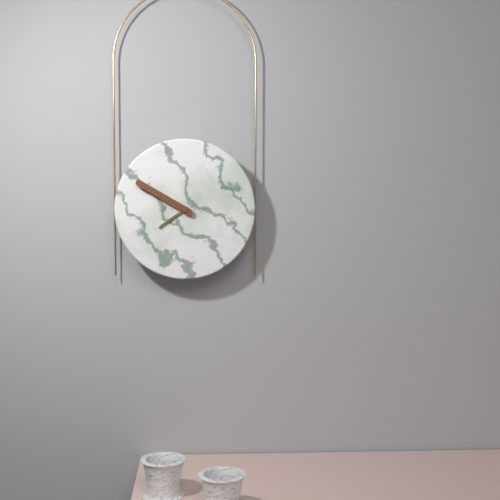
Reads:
{"hour": 7, "minute": 50}
